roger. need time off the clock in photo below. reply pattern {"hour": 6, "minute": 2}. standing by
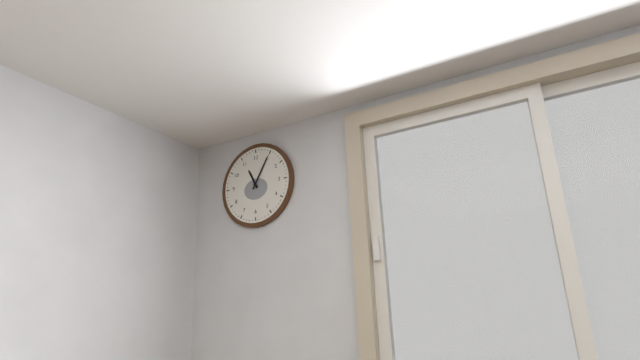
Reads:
{"hour": 11, "minute": 5}
